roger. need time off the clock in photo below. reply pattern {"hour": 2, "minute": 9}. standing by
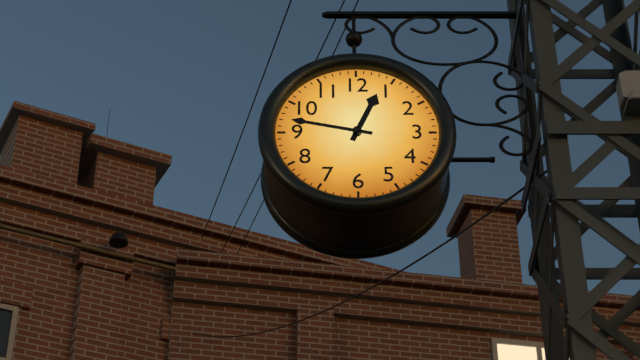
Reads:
{"hour": 12, "minute": 47}
